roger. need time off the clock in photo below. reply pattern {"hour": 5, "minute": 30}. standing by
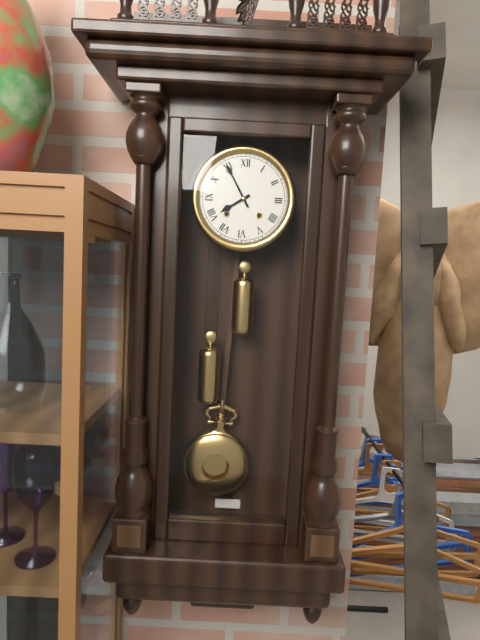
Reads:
{"hour": 7, "minute": 55}
